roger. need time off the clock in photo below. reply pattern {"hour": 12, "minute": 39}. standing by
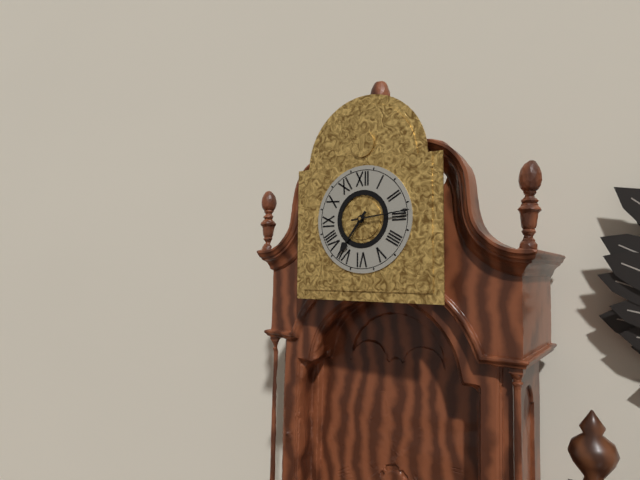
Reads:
{"hour": 7, "minute": 14}
